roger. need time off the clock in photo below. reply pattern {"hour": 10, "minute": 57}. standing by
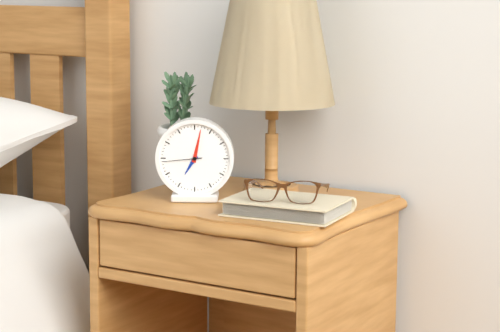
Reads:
{"hour": 7, "minute": 2}
